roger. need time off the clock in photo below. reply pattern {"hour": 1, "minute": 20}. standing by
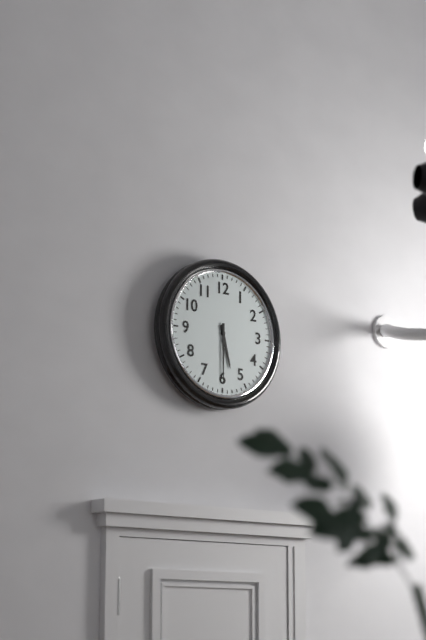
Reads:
{"hour": 5, "minute": 30}
